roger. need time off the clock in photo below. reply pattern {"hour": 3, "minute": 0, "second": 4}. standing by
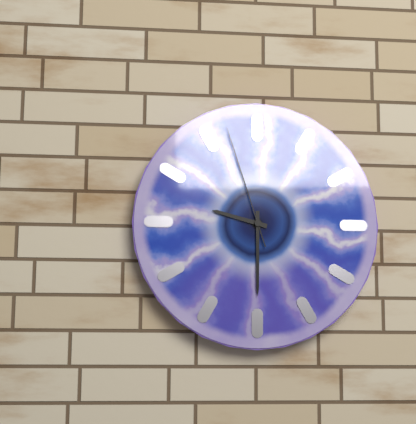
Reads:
{"hour": 9, "minute": 30, "second": 57}
